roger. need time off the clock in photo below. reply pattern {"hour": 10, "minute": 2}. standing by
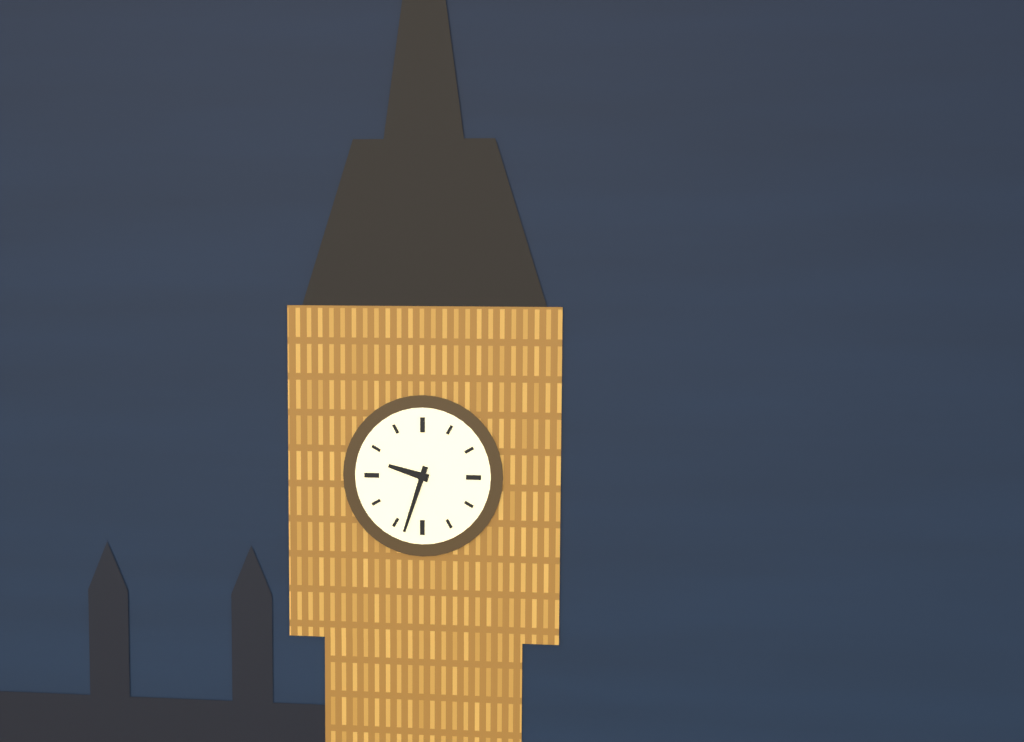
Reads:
{"hour": 9, "minute": 33}
